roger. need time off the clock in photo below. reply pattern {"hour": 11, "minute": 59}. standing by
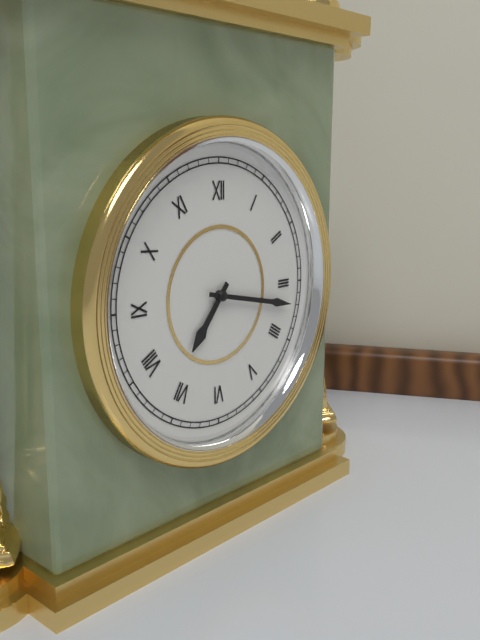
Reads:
{"hour": 7, "minute": 17}
